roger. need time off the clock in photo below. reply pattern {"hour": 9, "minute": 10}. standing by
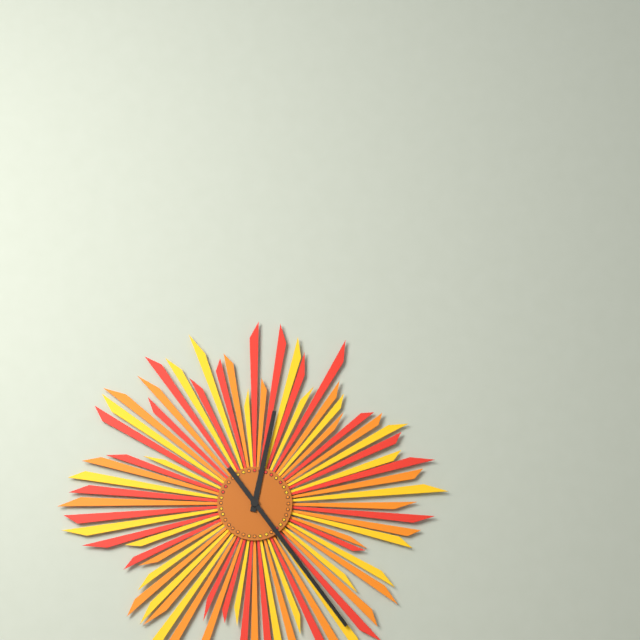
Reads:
{"hour": 12, "minute": 24}
